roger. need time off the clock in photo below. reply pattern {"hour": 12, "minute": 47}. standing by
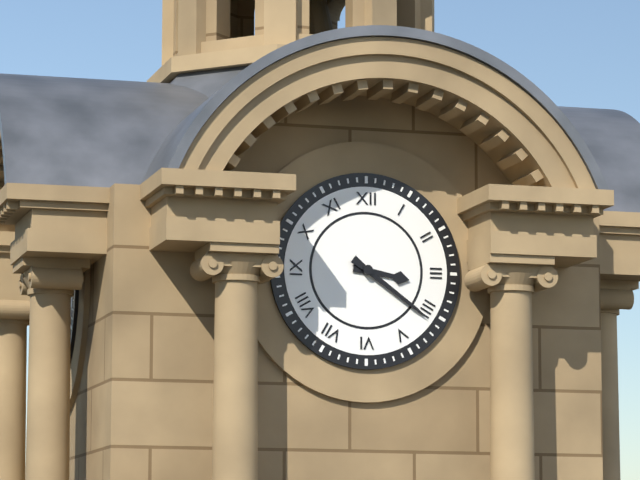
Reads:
{"hour": 3, "minute": 21}
